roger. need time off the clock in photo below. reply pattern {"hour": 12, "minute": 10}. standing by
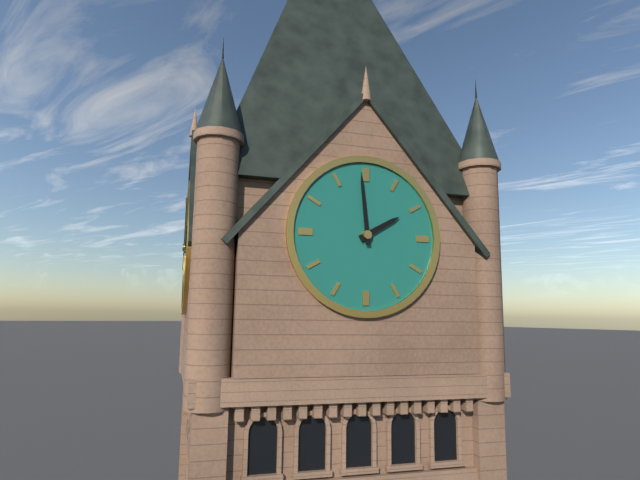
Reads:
{"hour": 1, "minute": 59}
